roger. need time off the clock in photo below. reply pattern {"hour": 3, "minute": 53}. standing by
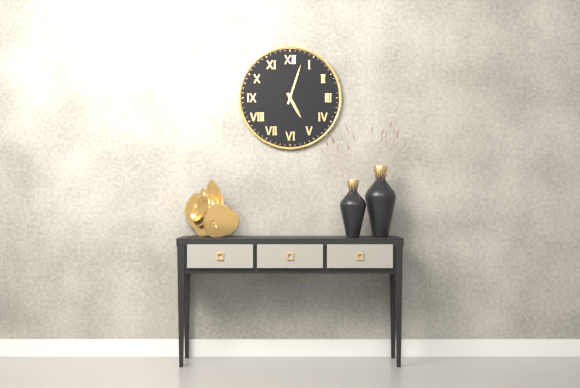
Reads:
{"hour": 5, "minute": 3}
